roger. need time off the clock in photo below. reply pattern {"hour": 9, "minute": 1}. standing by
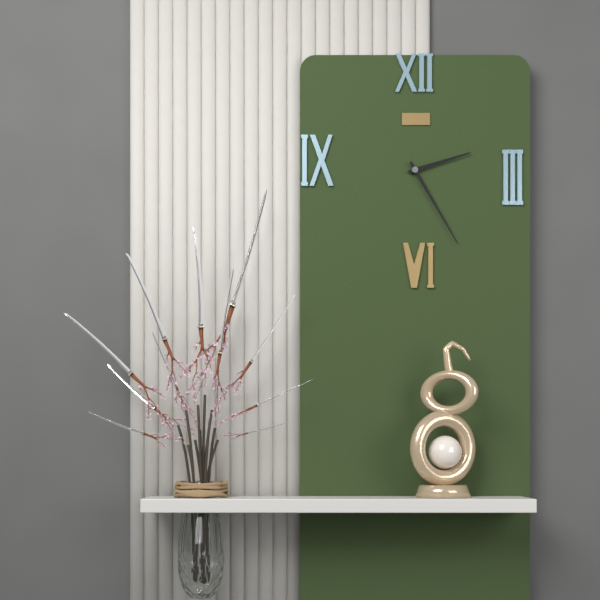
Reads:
{"hour": 2, "minute": 25}
